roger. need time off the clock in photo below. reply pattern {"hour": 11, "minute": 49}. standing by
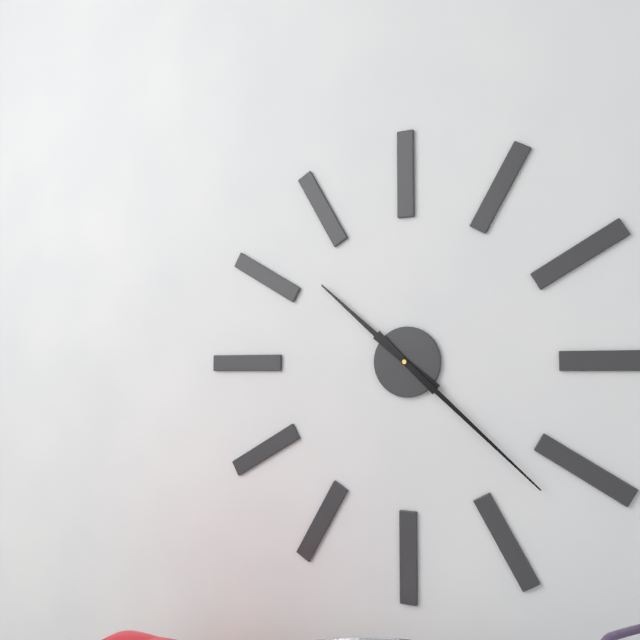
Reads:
{"hour": 10, "minute": 22}
